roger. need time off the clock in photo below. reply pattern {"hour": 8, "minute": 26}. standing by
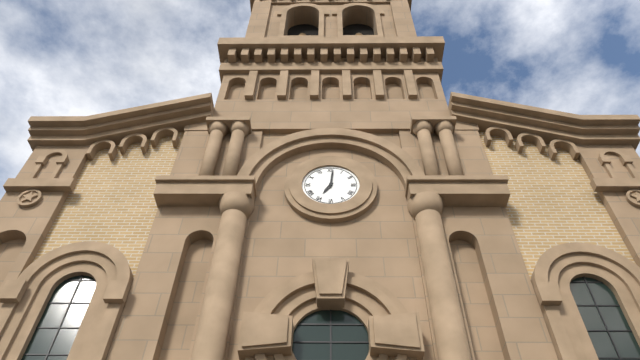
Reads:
{"hour": 7, "minute": 1}
